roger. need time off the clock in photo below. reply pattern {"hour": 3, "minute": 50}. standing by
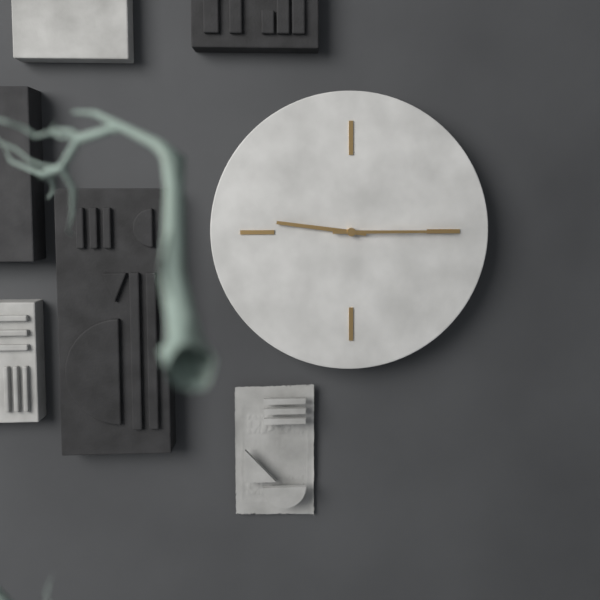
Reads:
{"hour": 9, "minute": 15}
